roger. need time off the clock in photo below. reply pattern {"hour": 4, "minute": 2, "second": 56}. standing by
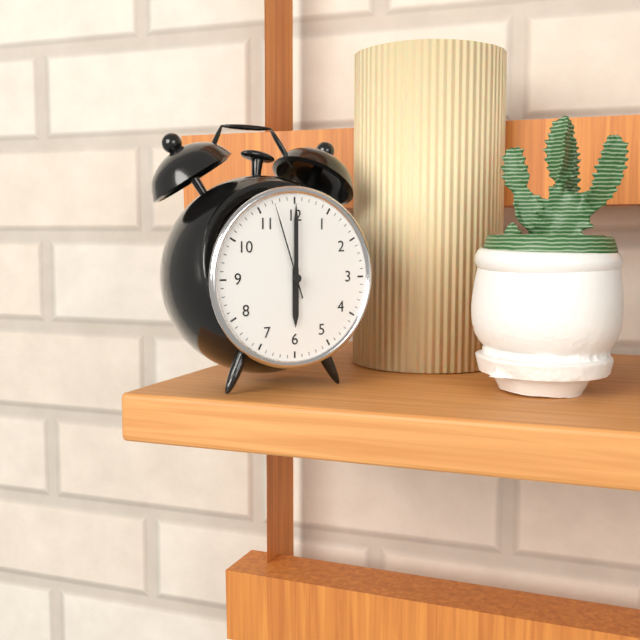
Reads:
{"hour": 6, "minute": 0, "second": 57}
